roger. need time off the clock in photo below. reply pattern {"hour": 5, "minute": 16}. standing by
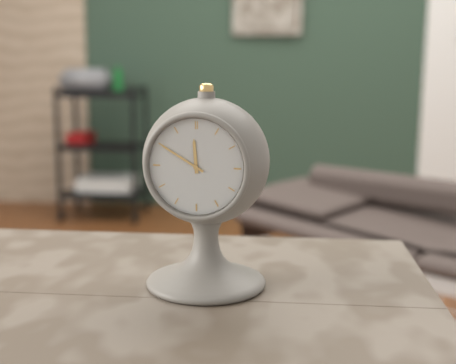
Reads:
{"hour": 11, "minute": 50}
